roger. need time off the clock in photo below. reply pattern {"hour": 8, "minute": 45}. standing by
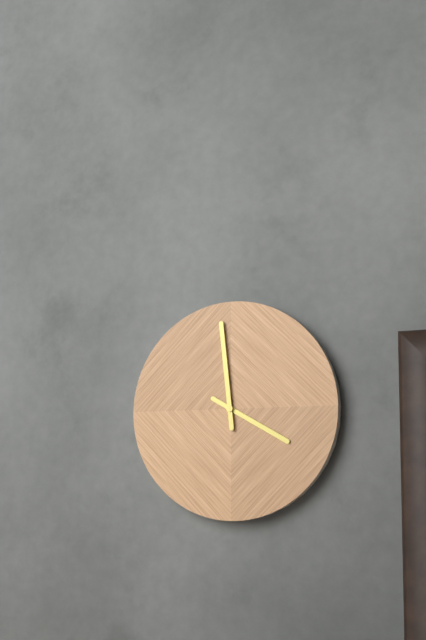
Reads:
{"hour": 3, "minute": 59}
